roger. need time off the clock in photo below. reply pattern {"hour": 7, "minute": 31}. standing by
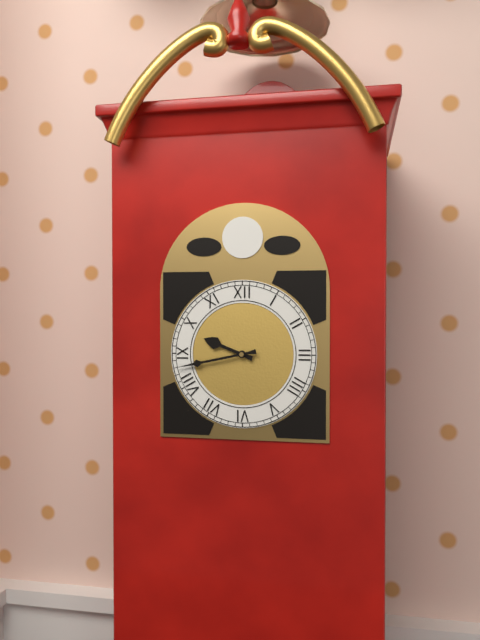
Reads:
{"hour": 9, "minute": 43}
